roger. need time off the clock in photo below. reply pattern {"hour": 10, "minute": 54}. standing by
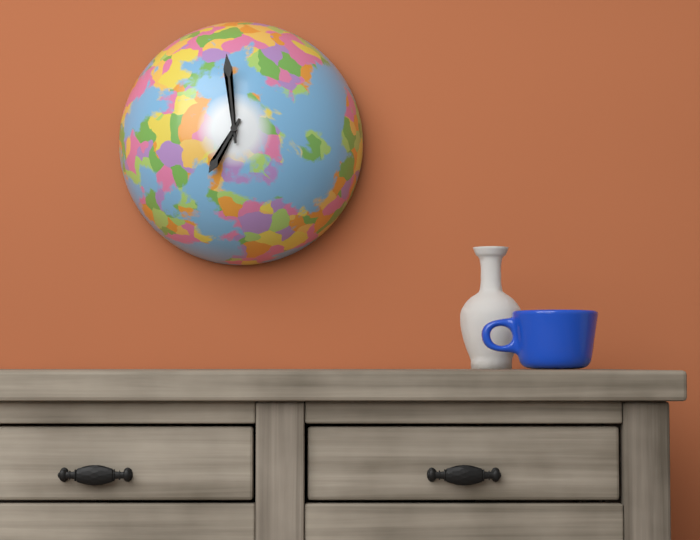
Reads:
{"hour": 6, "minute": 59}
